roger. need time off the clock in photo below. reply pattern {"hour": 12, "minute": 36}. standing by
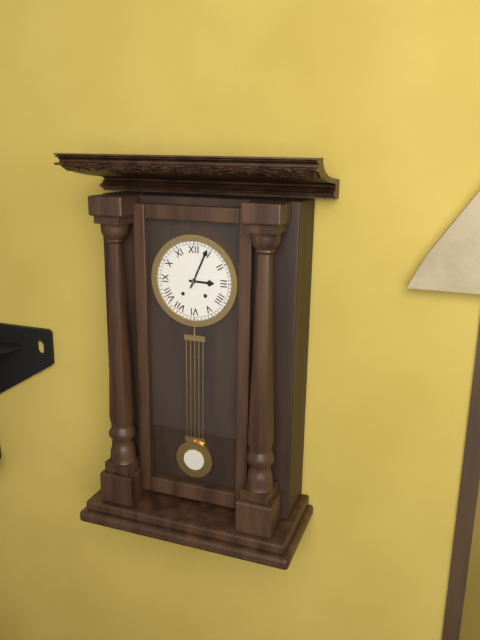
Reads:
{"hour": 3, "minute": 4}
